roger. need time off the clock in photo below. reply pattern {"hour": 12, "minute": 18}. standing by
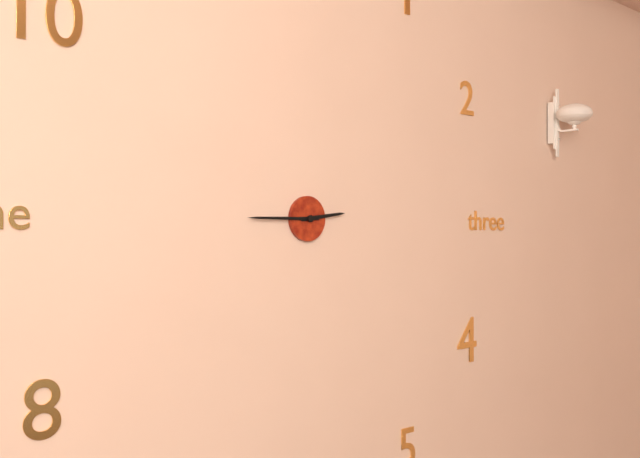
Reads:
{"hour": 2, "minute": 45}
